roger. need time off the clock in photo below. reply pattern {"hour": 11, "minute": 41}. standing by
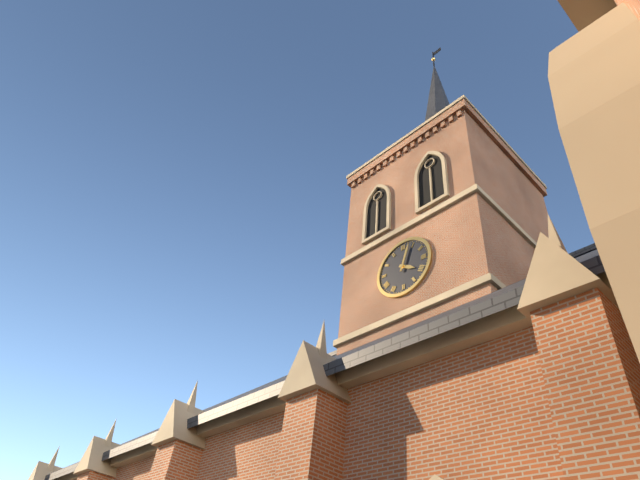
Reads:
{"hour": 4, "minute": 3}
